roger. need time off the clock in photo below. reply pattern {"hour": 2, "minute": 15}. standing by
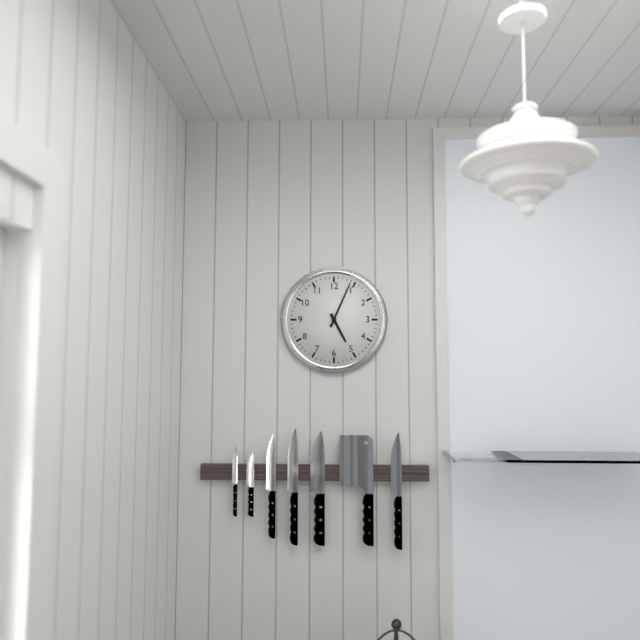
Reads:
{"hour": 5, "minute": 4}
